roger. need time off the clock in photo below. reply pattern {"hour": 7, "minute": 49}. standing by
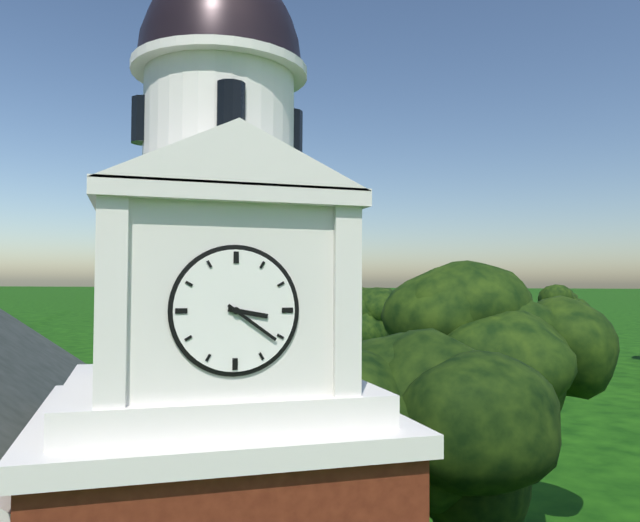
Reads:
{"hour": 3, "minute": 21}
